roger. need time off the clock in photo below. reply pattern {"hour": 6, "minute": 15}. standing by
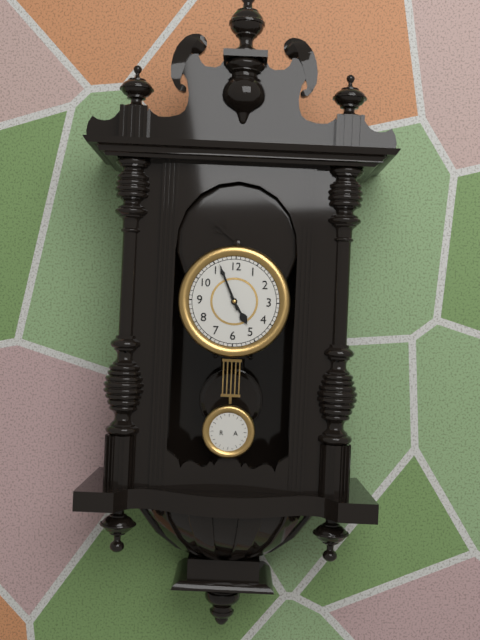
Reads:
{"hour": 4, "minute": 56}
